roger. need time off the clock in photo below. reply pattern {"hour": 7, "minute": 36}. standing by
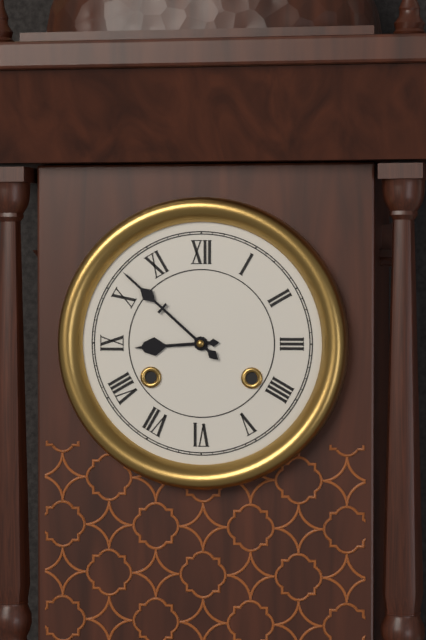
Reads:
{"hour": 8, "minute": 52}
